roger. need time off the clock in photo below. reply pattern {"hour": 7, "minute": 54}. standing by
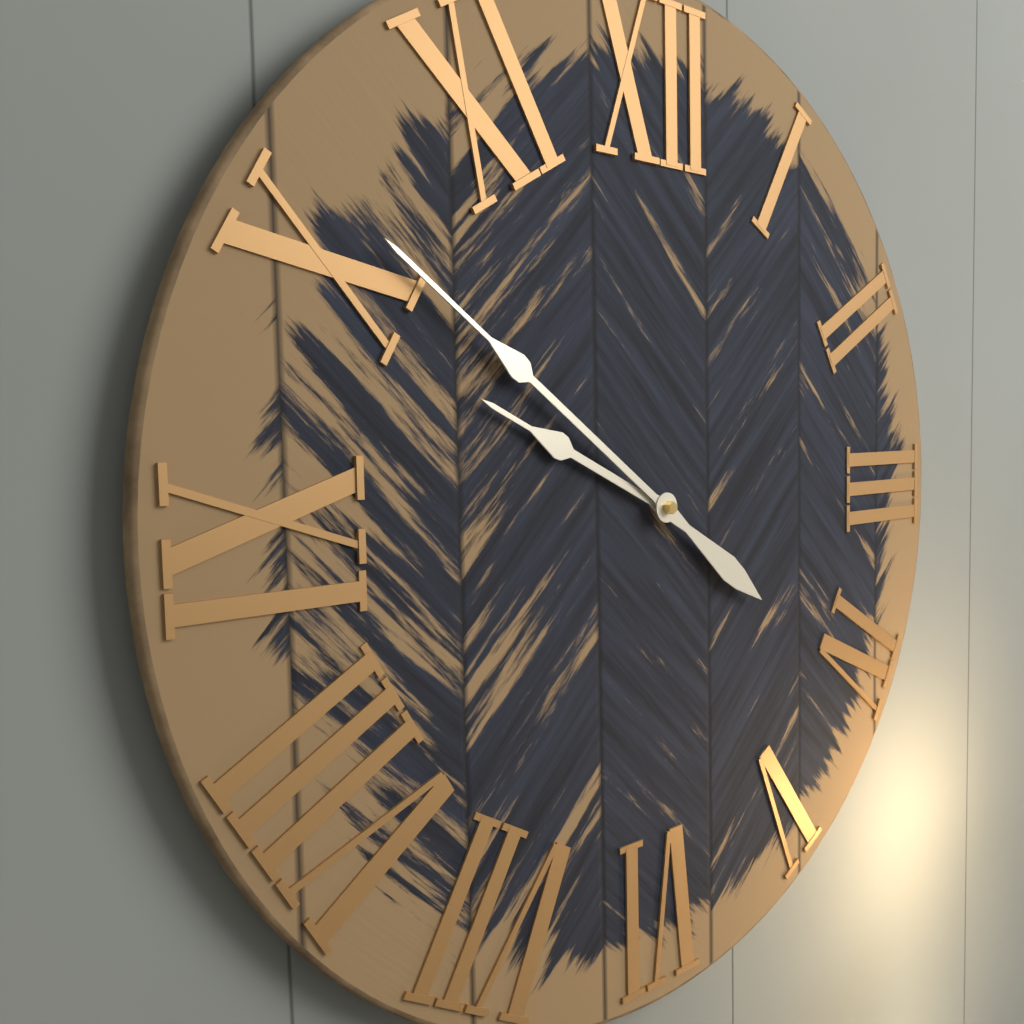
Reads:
{"hour": 9, "minute": 51}
